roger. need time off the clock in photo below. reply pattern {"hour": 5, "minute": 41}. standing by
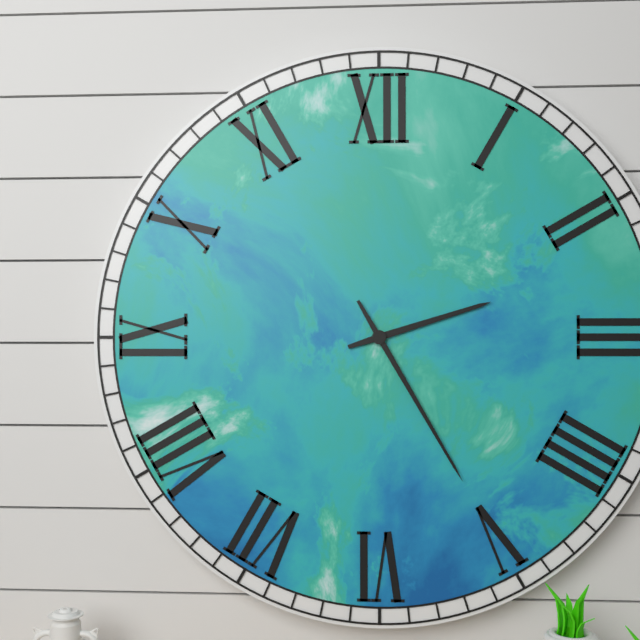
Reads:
{"hour": 2, "minute": 25}
